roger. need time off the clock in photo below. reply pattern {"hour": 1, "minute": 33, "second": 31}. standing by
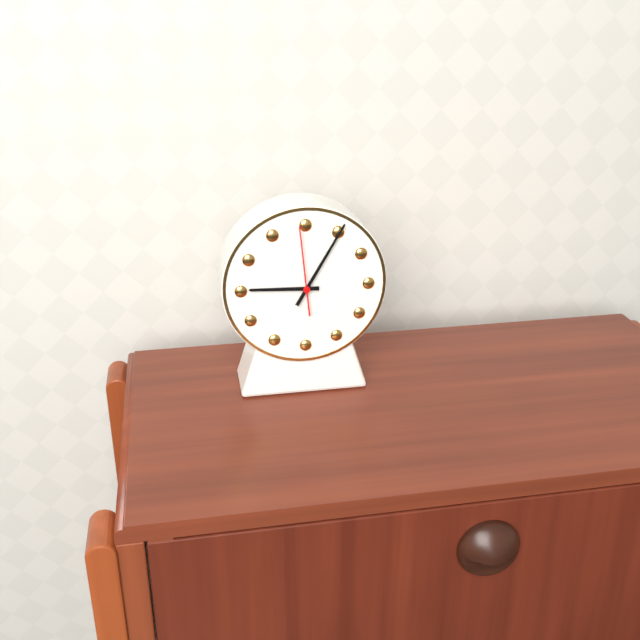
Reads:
{"hour": 9, "minute": 5, "second": 59}
